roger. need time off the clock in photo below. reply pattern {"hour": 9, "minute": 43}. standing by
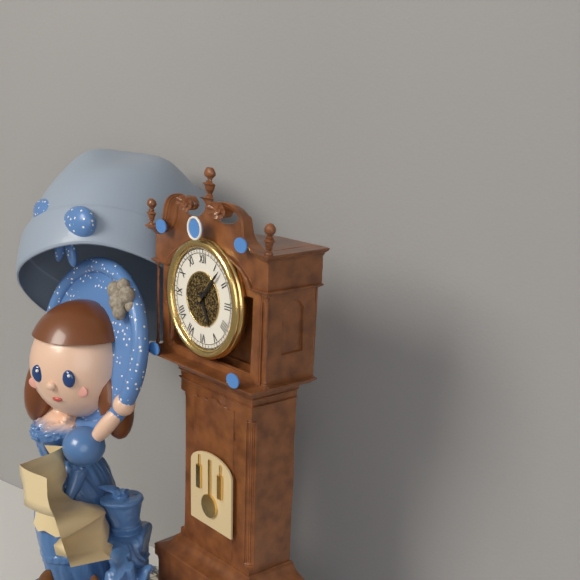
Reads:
{"hour": 5, "minute": 7}
